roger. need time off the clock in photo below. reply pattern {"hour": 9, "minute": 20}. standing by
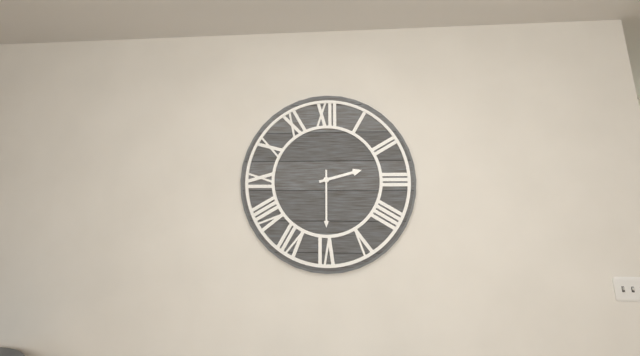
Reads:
{"hour": 2, "minute": 30}
